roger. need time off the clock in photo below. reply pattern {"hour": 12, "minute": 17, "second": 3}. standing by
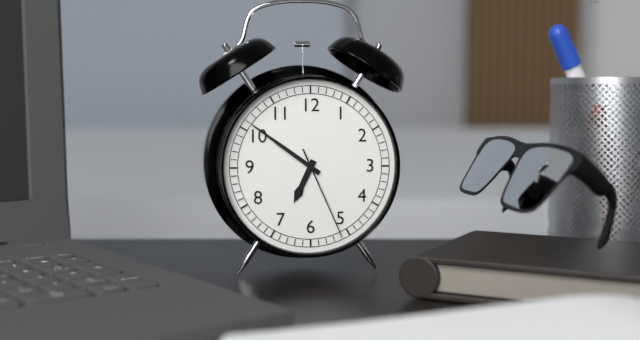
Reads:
{"hour": 6, "minute": 51, "second": 26}
